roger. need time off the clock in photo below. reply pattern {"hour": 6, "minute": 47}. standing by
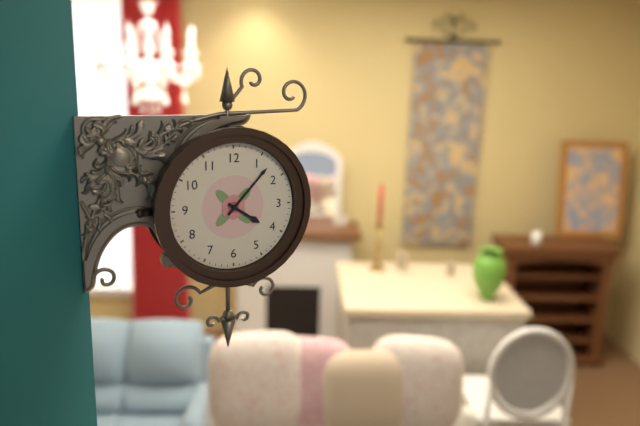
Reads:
{"hour": 4, "minute": 7}
